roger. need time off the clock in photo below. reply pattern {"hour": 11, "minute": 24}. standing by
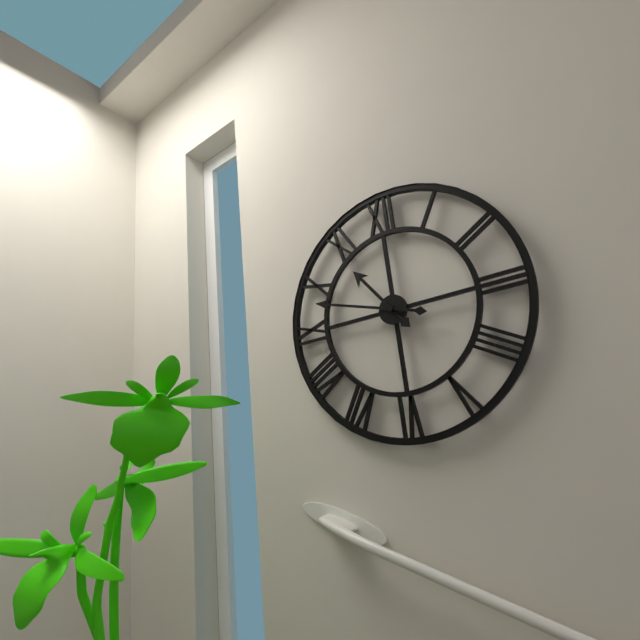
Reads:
{"hour": 10, "minute": 48}
